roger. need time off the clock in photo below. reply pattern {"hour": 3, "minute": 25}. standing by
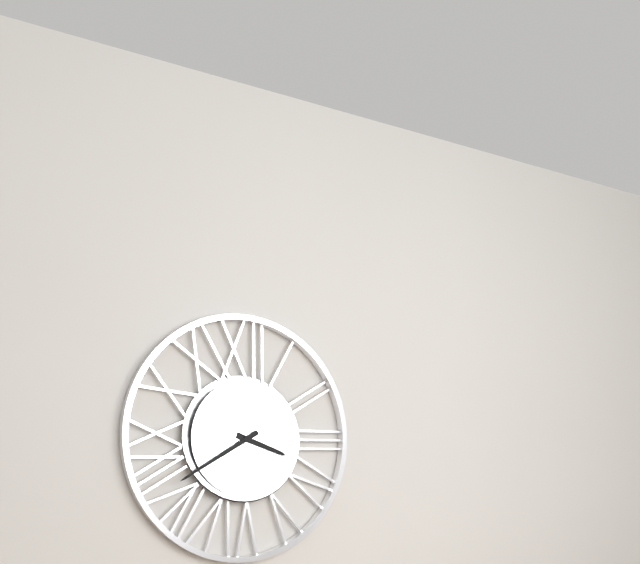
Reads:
{"hour": 3, "minute": 40}
